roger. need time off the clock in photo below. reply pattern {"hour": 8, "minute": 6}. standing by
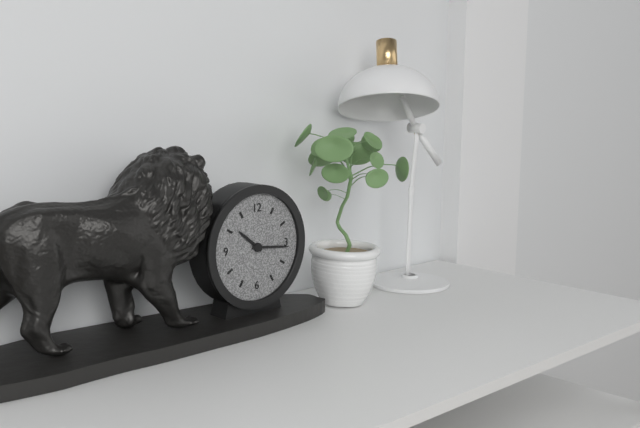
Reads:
{"hour": 10, "minute": 16}
